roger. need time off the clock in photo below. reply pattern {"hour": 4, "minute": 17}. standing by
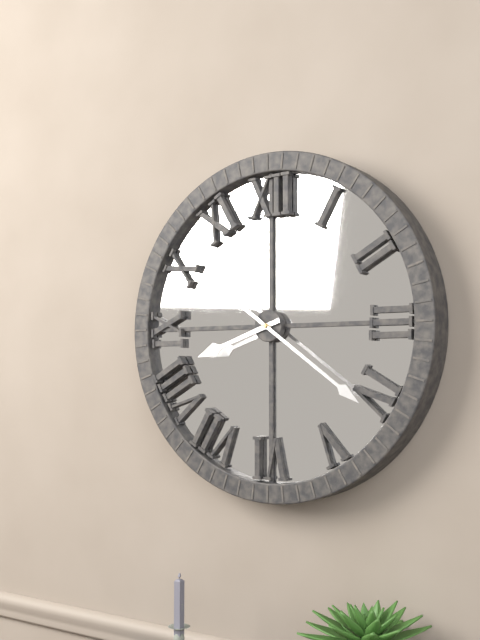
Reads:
{"hour": 8, "minute": 21}
